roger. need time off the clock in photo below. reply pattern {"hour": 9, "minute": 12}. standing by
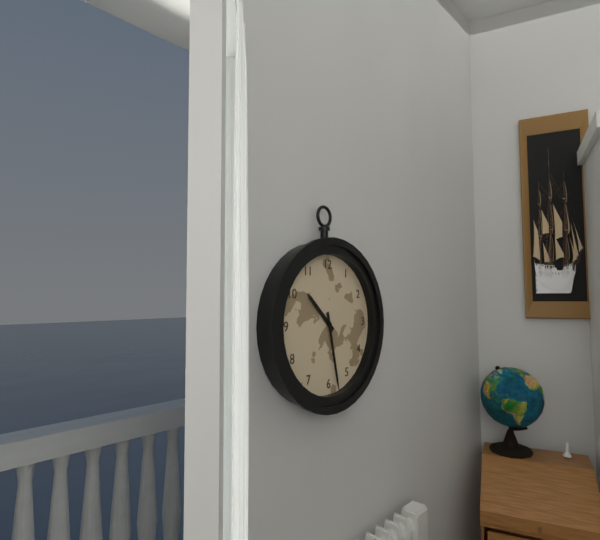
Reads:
{"hour": 10, "minute": 28}
